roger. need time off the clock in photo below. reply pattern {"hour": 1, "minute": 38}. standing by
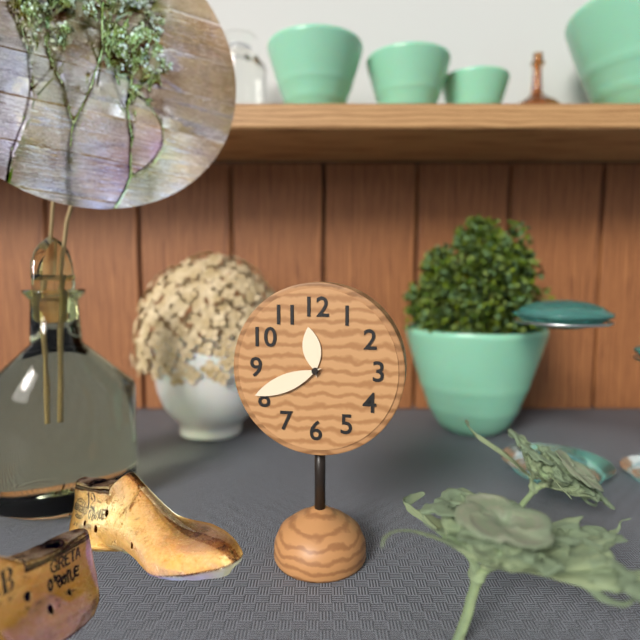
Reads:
{"hour": 11, "minute": 41}
